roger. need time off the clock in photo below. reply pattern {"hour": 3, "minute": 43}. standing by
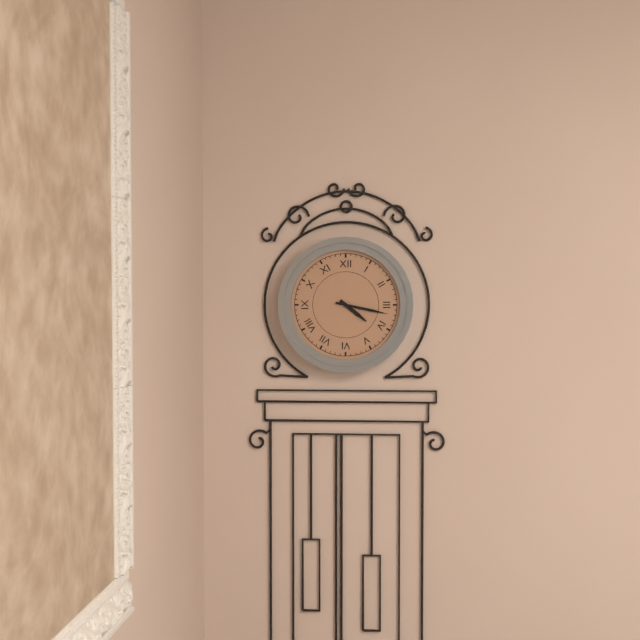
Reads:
{"hour": 4, "minute": 17}
